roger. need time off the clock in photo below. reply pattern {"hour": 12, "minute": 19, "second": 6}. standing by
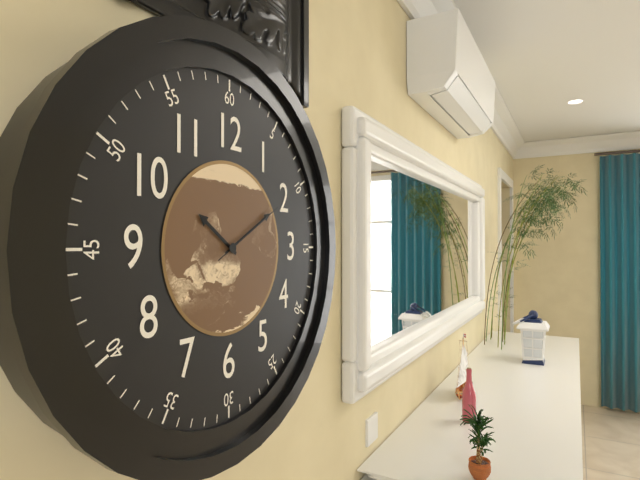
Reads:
{"hour": 10, "minute": 10, "second": 10}
